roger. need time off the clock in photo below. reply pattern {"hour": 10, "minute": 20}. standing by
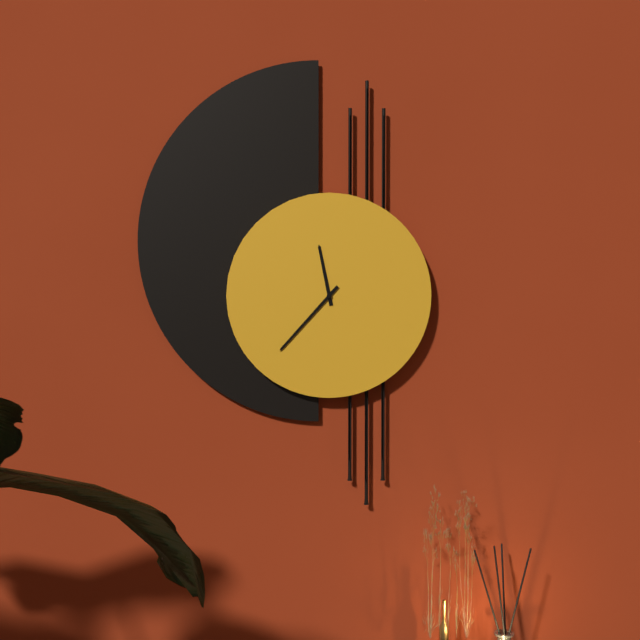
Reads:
{"hour": 11, "minute": 37}
